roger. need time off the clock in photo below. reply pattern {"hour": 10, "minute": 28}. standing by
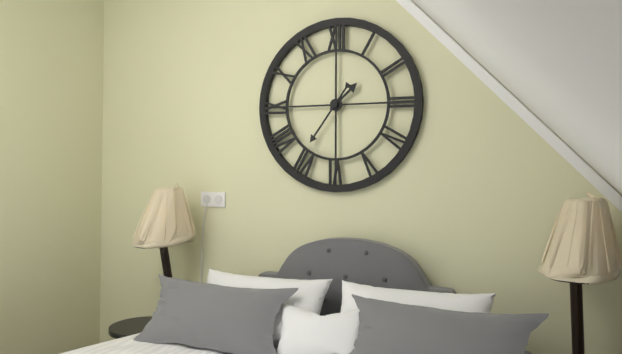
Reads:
{"hour": 1, "minute": 36}
